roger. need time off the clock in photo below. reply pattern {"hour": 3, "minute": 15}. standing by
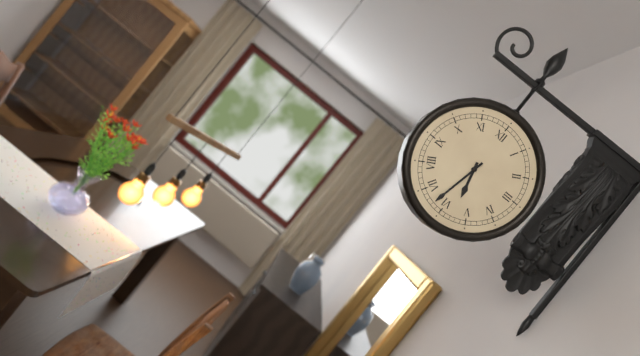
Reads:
{"hour": 5, "minute": 32}
